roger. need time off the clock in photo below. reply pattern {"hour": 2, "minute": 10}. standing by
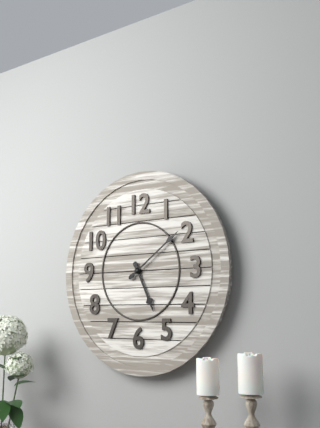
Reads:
{"hour": 5, "minute": 9}
